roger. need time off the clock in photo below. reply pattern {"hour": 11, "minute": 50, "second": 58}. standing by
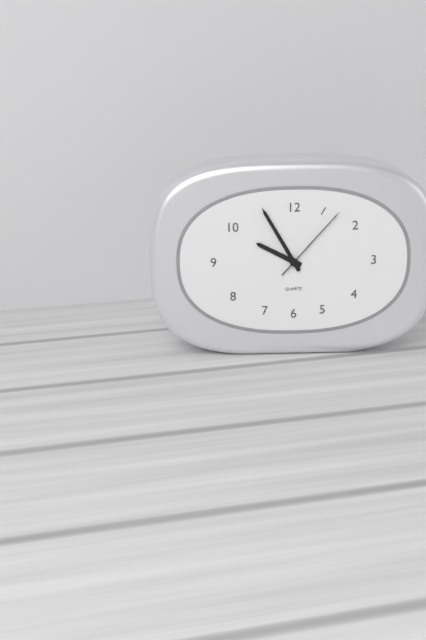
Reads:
{"hour": 9, "minute": 55, "second": 7}
